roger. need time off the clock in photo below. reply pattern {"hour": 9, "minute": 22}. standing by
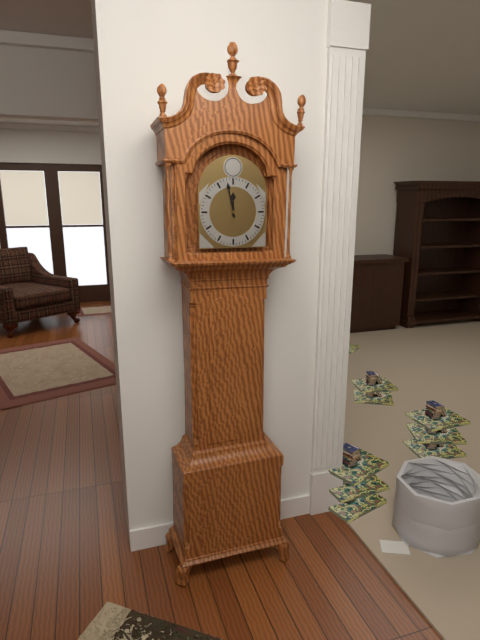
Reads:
{"hour": 11, "minute": 58}
